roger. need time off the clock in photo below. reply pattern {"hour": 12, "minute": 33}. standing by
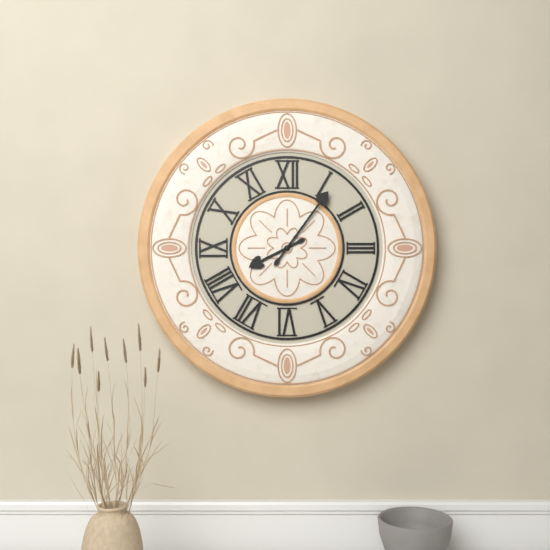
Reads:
{"hour": 8, "minute": 6}
